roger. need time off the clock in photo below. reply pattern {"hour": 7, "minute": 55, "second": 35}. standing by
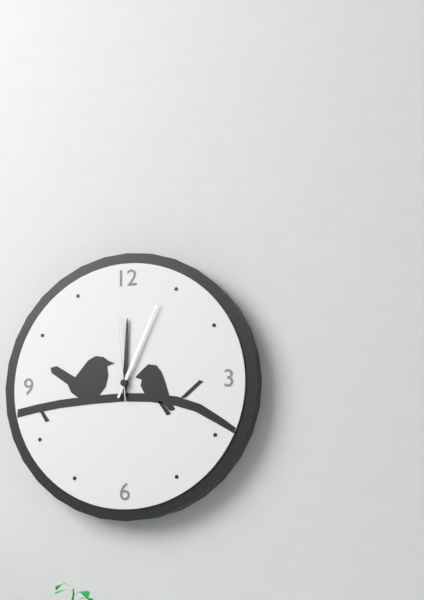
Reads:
{"hour": 12, "minute": 4, "second": 59}
